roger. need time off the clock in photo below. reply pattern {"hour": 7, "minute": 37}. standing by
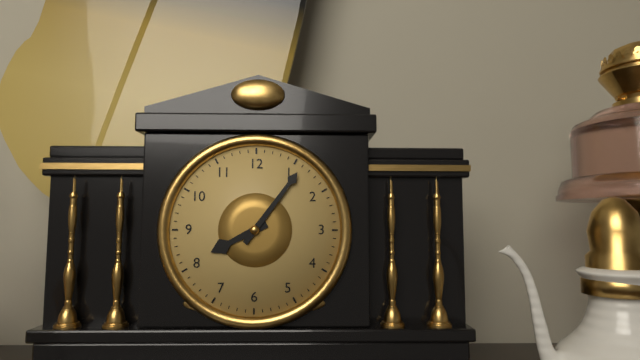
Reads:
{"hour": 8, "minute": 6}
